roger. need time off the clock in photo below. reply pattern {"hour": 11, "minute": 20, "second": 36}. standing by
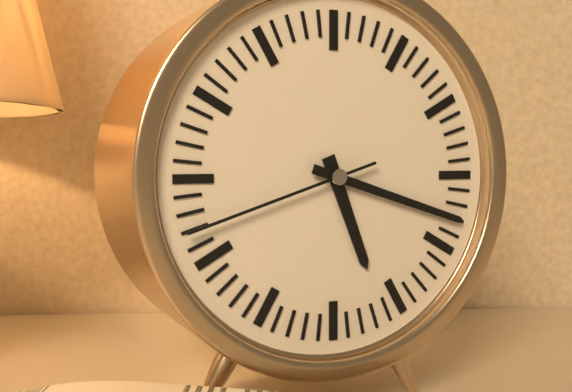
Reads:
{"hour": 5, "minute": 18, "second": 42}
